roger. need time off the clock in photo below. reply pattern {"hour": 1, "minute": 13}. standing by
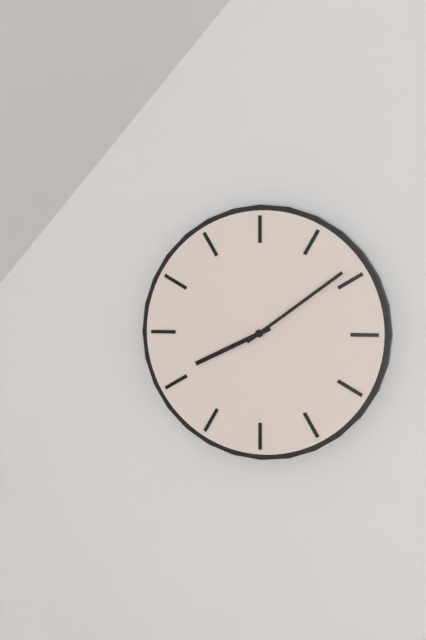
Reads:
{"hour": 8, "minute": 9}
